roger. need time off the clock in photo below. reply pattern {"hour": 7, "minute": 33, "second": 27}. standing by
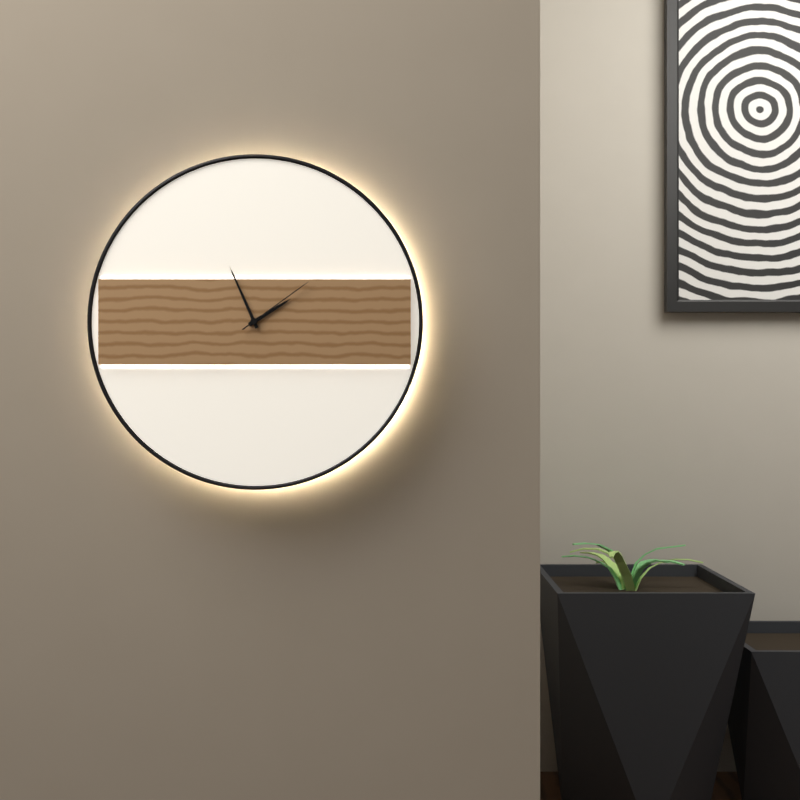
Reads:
{"hour": 1, "minute": 56, "second": 9}
